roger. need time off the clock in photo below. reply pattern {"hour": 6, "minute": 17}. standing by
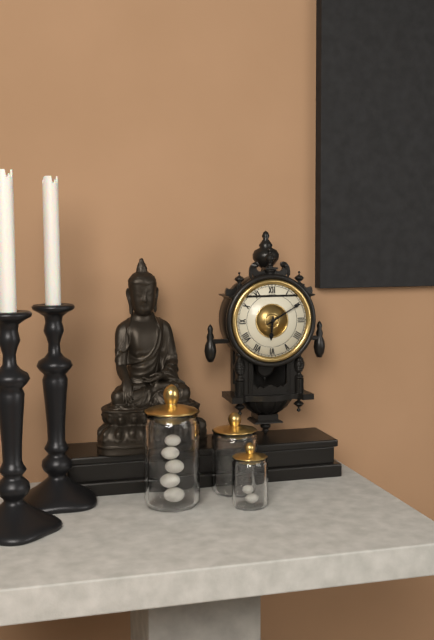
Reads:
{"hour": 6, "minute": 10}
